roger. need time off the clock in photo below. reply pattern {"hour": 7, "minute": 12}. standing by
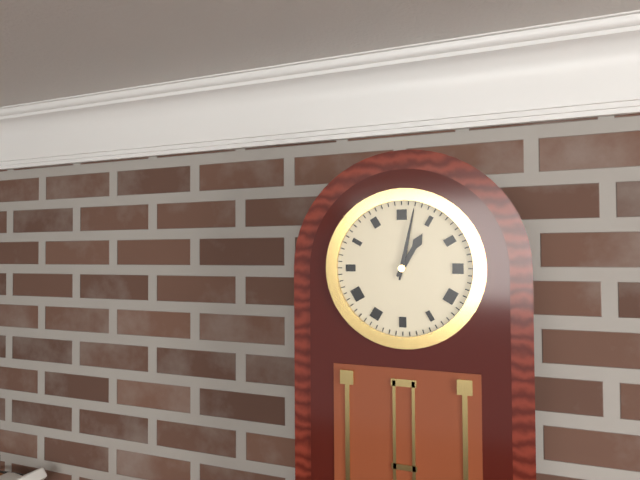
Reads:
{"hour": 1, "minute": 2}
